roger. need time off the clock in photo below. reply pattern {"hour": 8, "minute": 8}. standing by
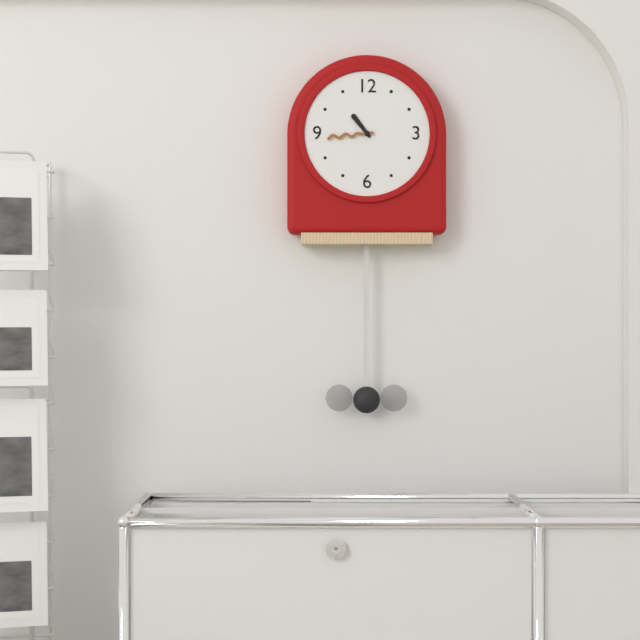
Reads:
{"hour": 10, "minute": 44}
